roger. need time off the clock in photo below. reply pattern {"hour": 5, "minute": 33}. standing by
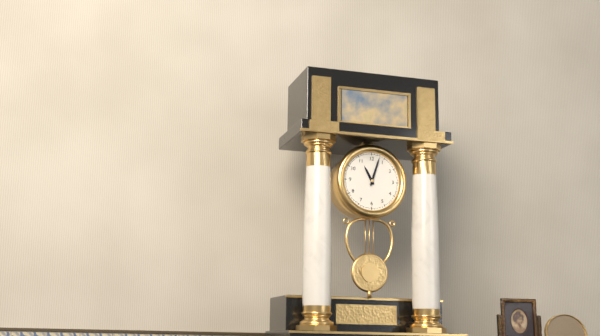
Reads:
{"hour": 11, "minute": 3}
